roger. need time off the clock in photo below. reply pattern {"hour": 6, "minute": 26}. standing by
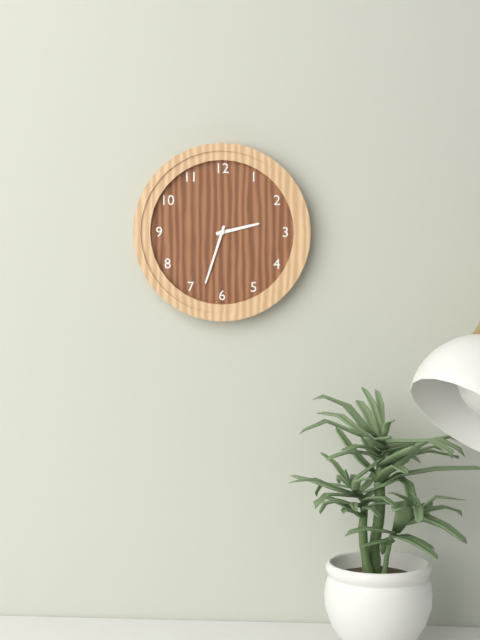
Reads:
{"hour": 2, "minute": 33}
